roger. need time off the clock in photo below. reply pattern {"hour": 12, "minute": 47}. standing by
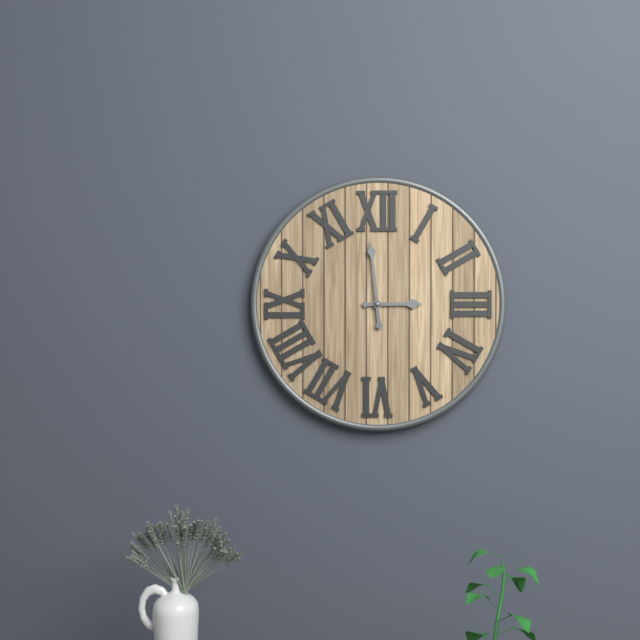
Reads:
{"hour": 2, "minute": 59}
